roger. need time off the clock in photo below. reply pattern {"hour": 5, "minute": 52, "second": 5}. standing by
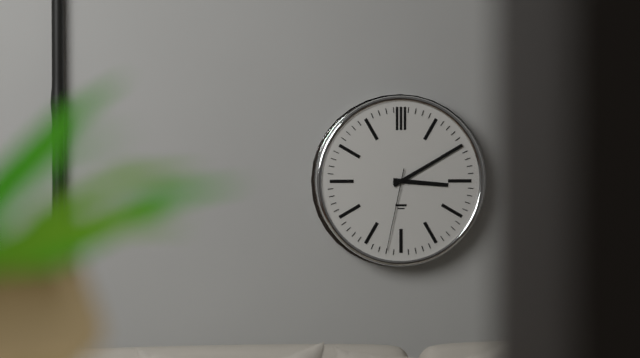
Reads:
{"hour": 3, "minute": 10, "second": 32}
